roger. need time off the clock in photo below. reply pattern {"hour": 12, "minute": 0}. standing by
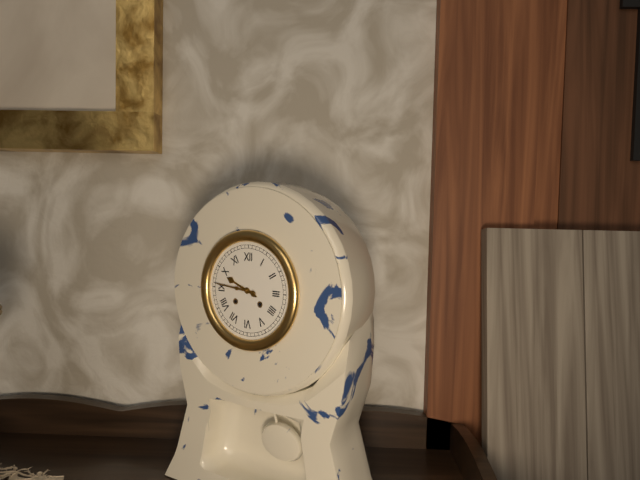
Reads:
{"hour": 9, "minute": 46}
